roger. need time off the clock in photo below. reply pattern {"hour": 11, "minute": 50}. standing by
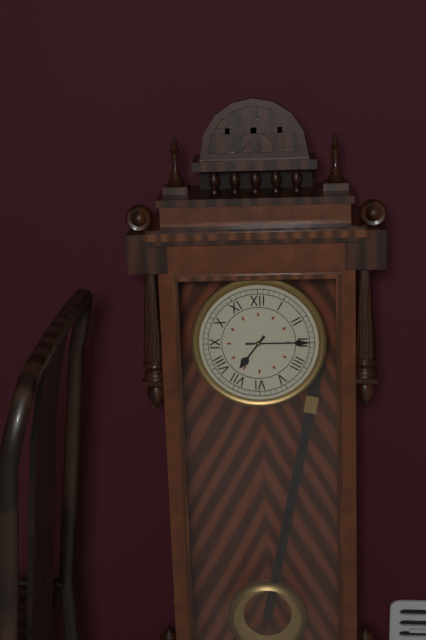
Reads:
{"hour": 7, "minute": 15}
